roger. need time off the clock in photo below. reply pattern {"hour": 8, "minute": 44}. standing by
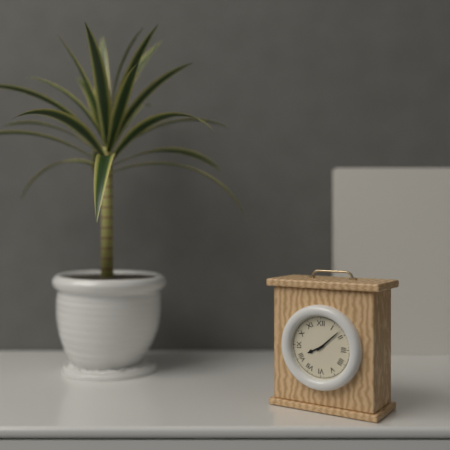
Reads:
{"hour": 8, "minute": 8}
